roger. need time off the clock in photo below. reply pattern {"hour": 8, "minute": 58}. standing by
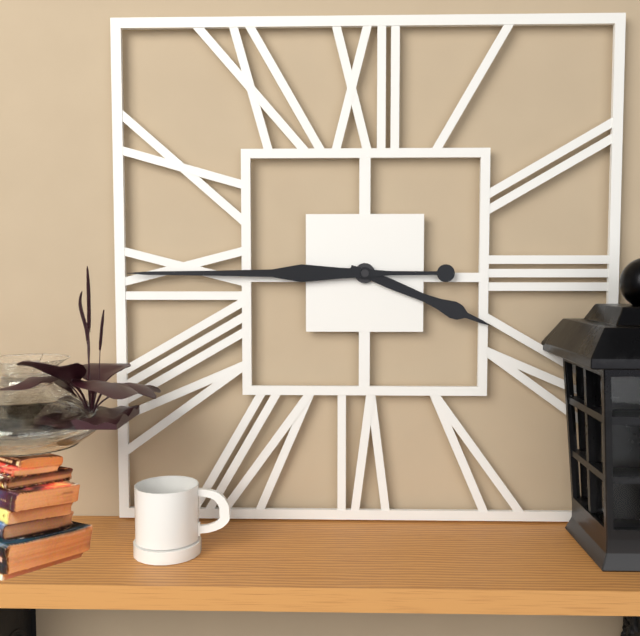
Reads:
{"hour": 3, "minute": 45}
